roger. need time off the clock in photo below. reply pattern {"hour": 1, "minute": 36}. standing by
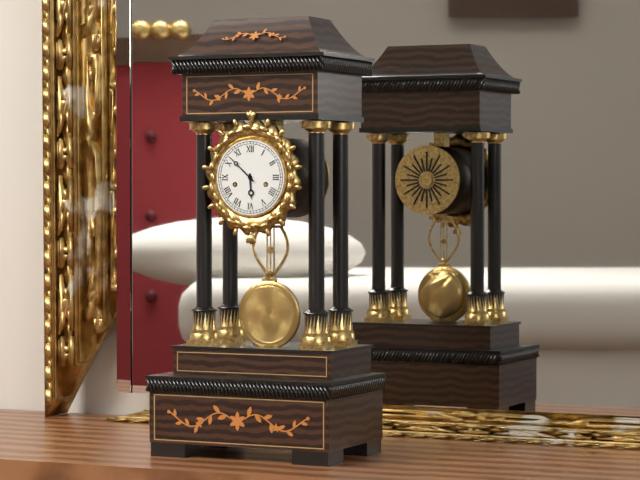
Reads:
{"hour": 5, "minute": 52}
